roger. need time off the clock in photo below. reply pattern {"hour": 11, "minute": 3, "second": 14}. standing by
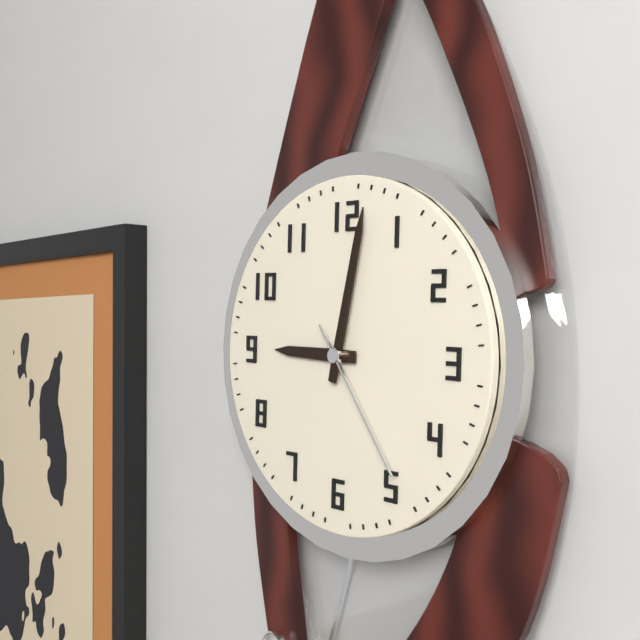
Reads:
{"hour": 9, "minute": 2, "second": 24}
